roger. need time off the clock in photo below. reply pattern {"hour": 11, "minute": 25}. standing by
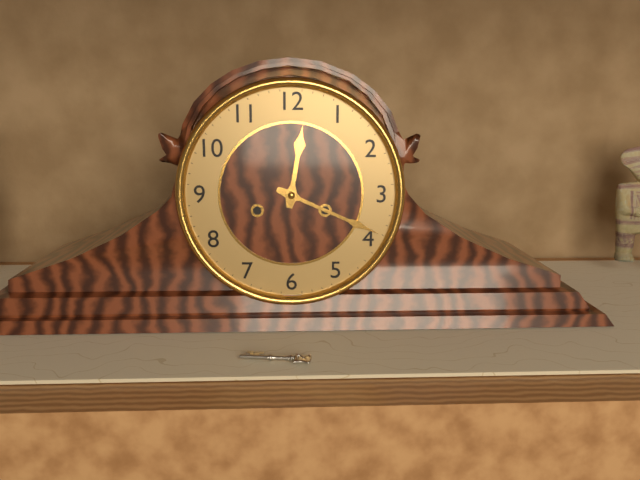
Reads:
{"hour": 12, "minute": 19}
